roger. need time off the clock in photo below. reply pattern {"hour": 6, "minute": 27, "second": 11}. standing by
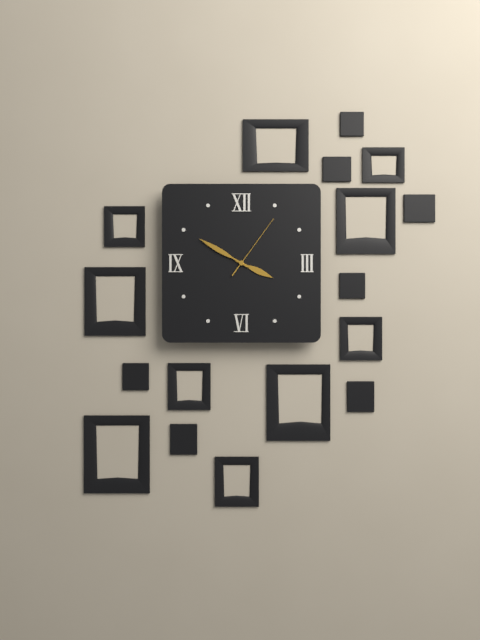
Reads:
{"hour": 3, "minute": 50, "second": 6}
